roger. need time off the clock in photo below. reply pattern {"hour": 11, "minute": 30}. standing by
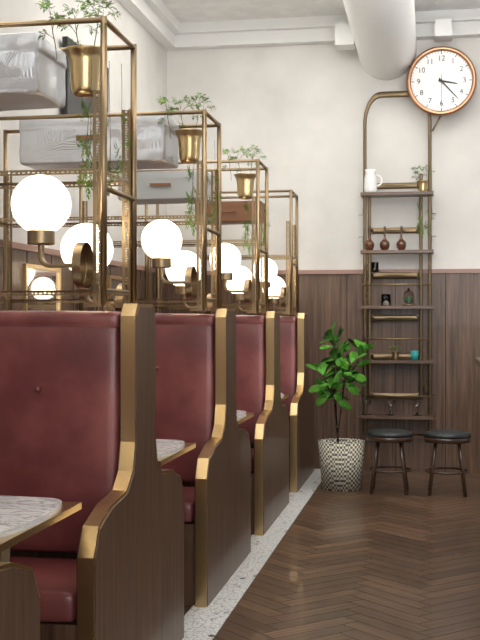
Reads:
{"hour": 3, "minute": 23}
